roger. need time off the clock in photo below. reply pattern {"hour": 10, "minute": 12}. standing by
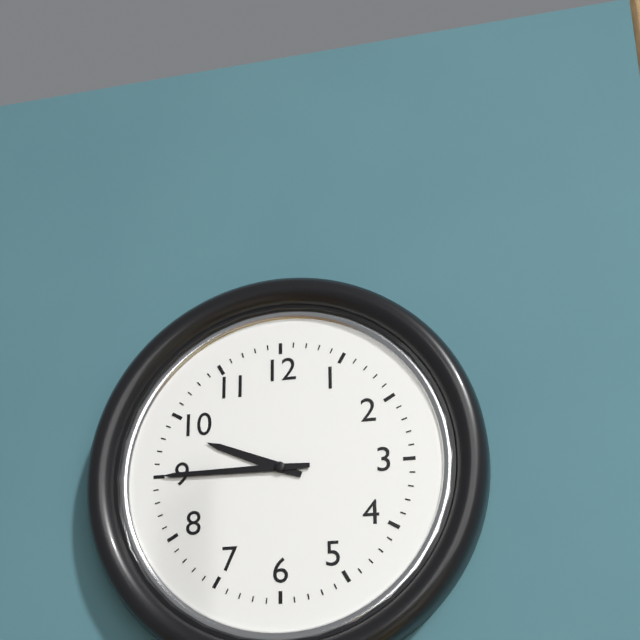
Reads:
{"hour": 9, "minute": 45}
